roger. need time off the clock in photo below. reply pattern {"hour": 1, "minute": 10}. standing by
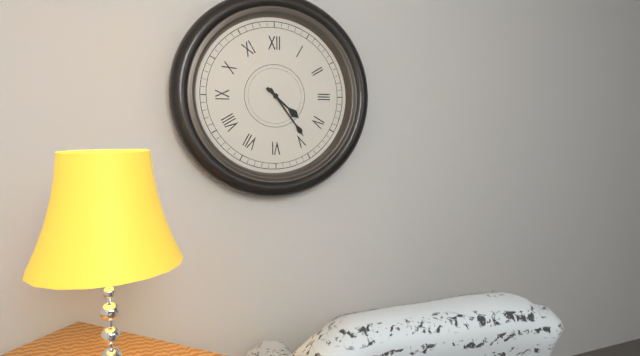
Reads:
{"hour": 4, "minute": 24}
